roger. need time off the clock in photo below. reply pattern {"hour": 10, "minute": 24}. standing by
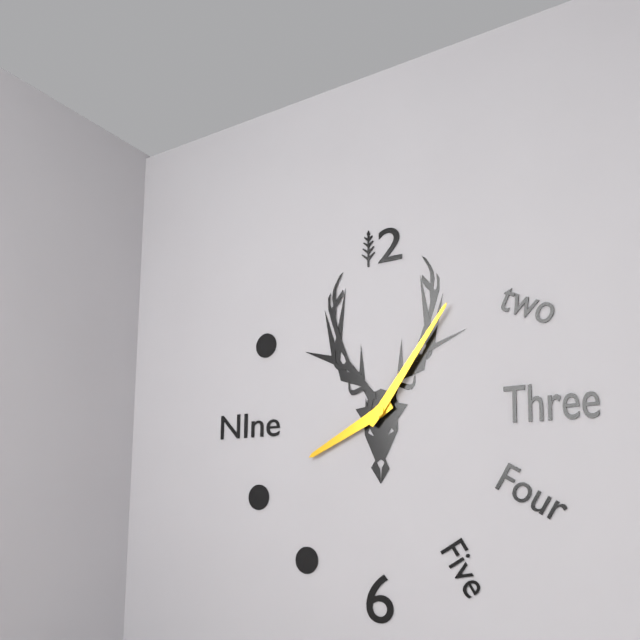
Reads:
{"hour": 8, "minute": 6}
